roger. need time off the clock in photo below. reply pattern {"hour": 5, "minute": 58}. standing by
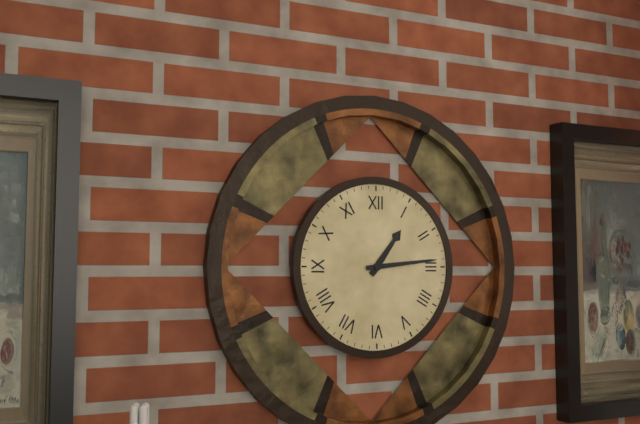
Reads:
{"hour": 1, "minute": 14}
